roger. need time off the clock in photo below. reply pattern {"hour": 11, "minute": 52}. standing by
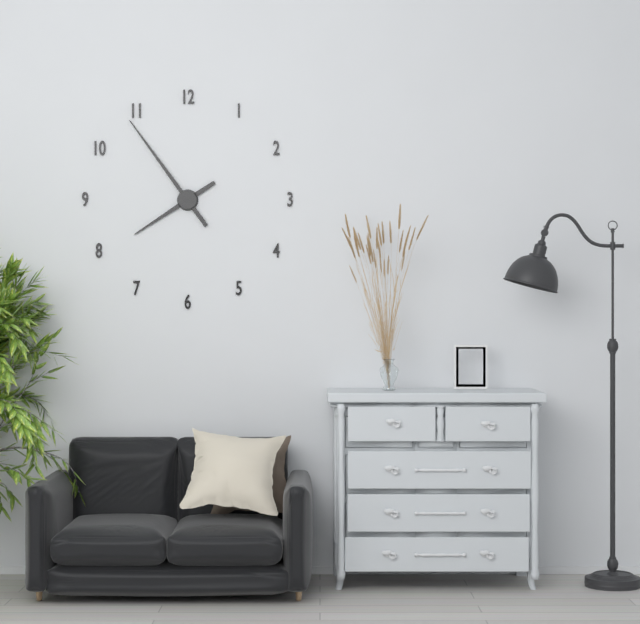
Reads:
{"hour": 7, "minute": 54}
